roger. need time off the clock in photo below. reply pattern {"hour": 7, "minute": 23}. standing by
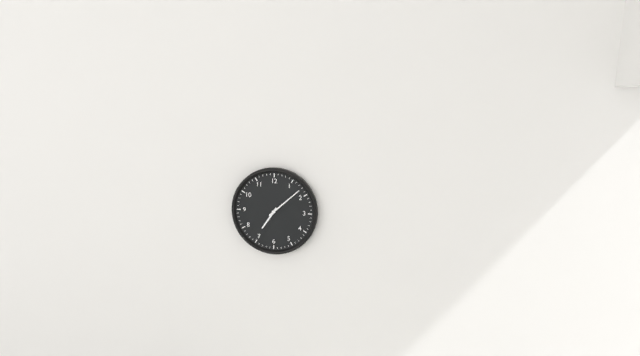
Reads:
{"hour": 7, "minute": 8}
